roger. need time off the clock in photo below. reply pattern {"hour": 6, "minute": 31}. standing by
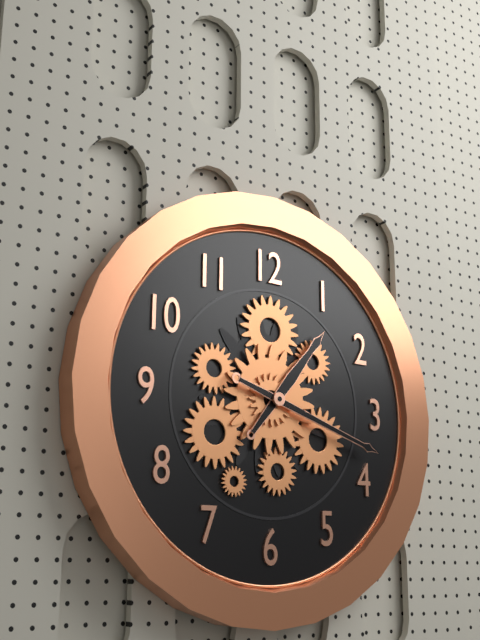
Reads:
{"hour": 1, "minute": 18}
